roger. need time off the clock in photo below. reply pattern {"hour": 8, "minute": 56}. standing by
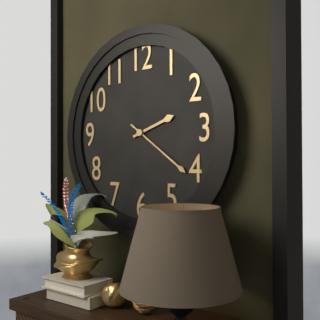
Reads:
{"hour": 2, "minute": 21}
